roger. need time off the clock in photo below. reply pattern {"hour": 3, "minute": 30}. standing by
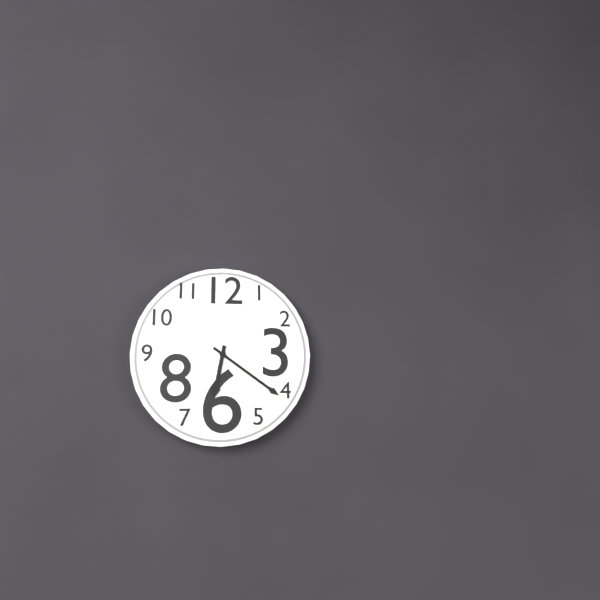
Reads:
{"hour": 6, "minute": 21}
